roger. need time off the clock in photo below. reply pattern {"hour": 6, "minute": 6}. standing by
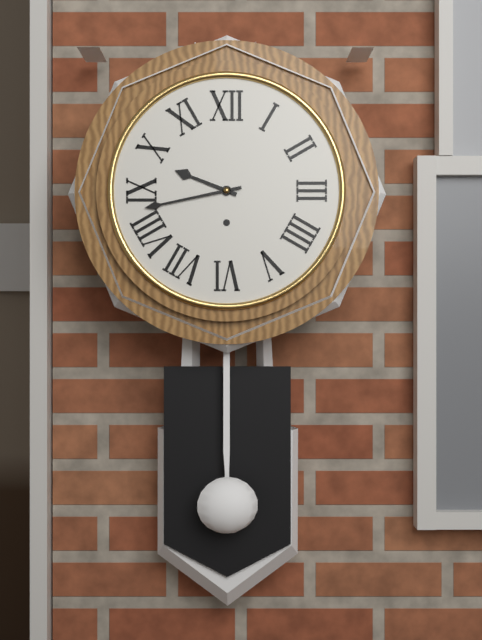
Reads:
{"hour": 9, "minute": 43}
